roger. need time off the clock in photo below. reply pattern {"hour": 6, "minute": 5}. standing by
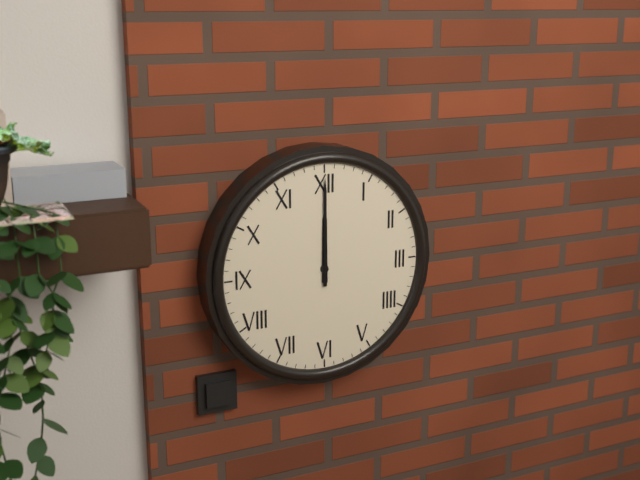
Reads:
{"hour": 12, "minute": 0}
